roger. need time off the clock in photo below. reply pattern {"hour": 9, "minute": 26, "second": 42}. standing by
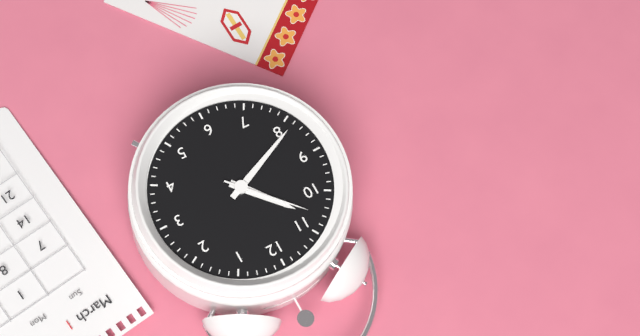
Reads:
{"hour": 10, "minute": 41, "second": 53}
